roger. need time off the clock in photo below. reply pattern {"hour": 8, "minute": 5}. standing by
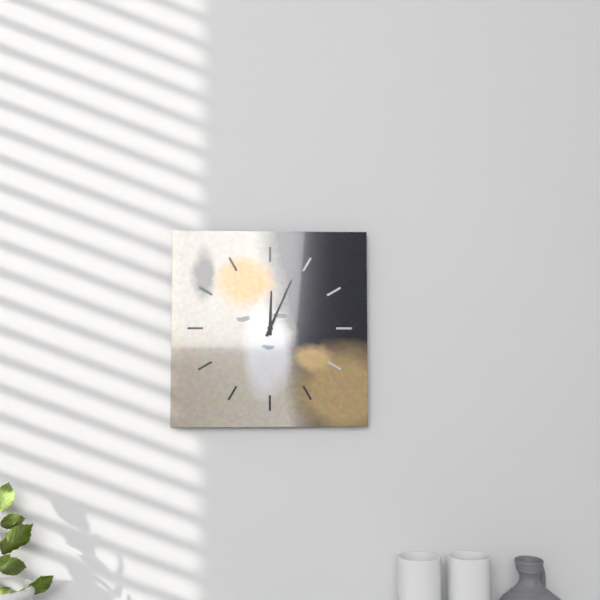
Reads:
{"hour": 12, "minute": 4}
